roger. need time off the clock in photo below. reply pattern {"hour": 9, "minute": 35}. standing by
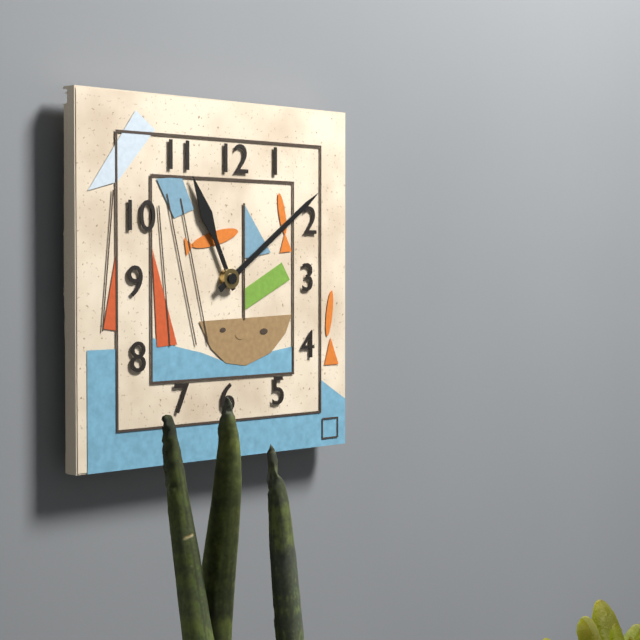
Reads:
{"hour": 11, "minute": 9}
